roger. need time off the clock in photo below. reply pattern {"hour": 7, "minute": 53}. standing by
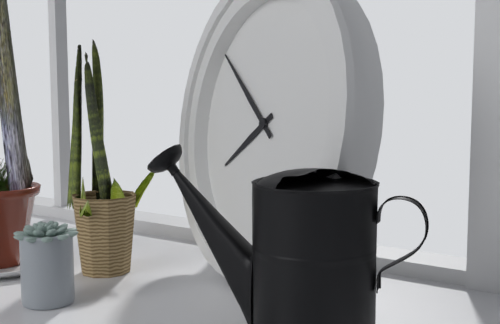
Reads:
{"hour": 7, "minute": 51}
